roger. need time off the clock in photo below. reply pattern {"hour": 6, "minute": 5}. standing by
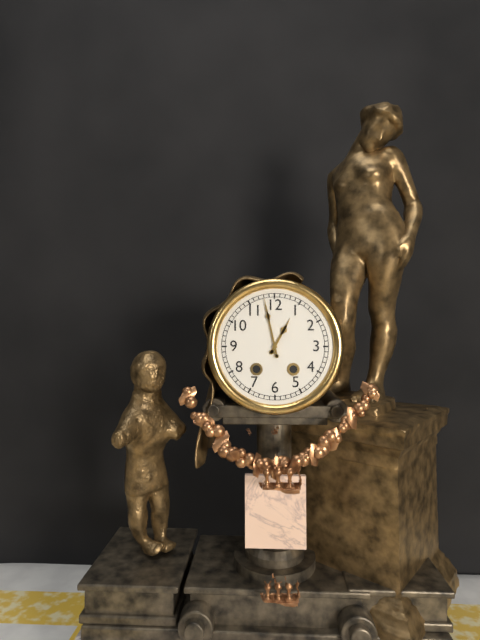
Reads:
{"hour": 12, "minute": 58}
